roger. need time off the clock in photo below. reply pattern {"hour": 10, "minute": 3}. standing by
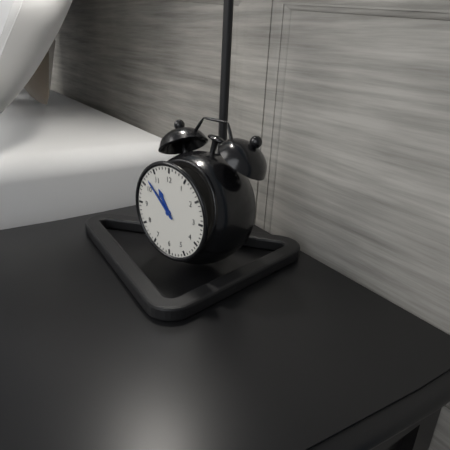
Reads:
{"hour": 10, "minute": 52}
